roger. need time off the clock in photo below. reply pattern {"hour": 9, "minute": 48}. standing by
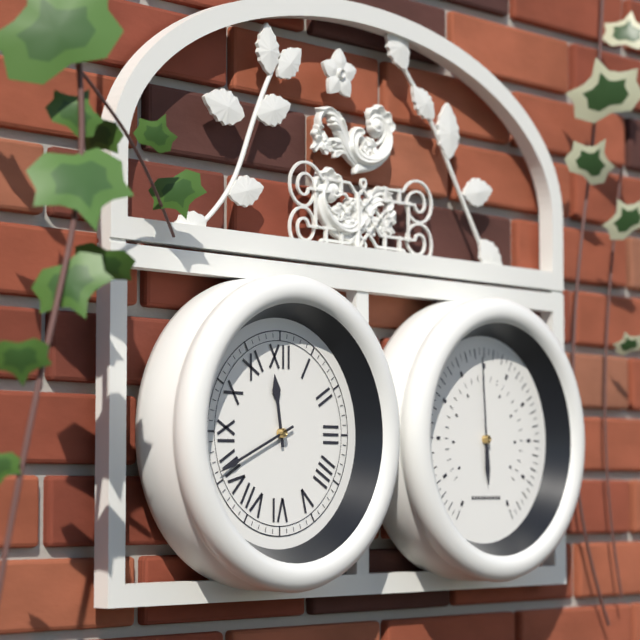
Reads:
{"hour": 11, "minute": 41}
